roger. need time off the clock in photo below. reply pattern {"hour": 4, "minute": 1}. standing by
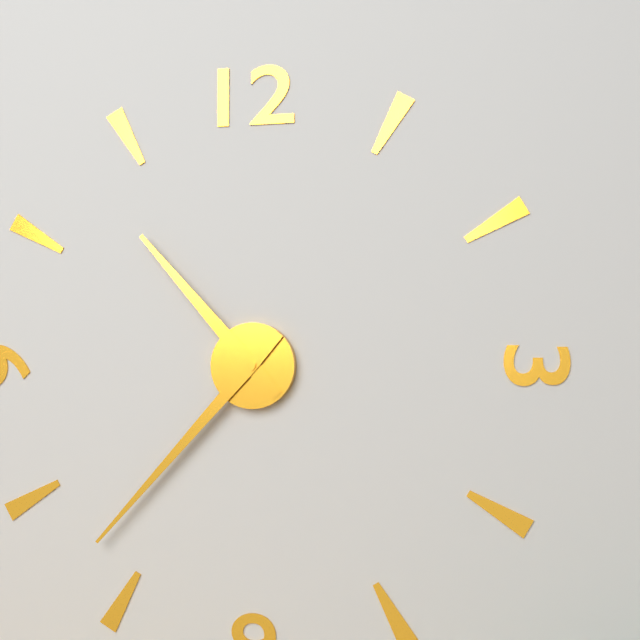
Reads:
{"hour": 10, "minute": 37}
